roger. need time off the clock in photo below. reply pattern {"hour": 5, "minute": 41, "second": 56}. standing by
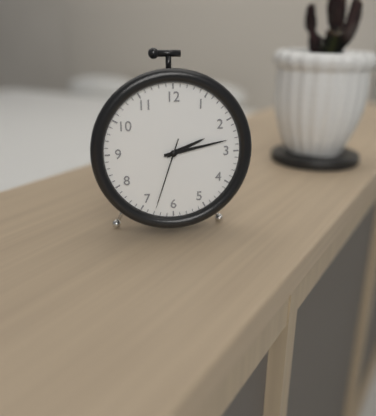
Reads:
{"hour": 2, "minute": 13, "second": 33}
